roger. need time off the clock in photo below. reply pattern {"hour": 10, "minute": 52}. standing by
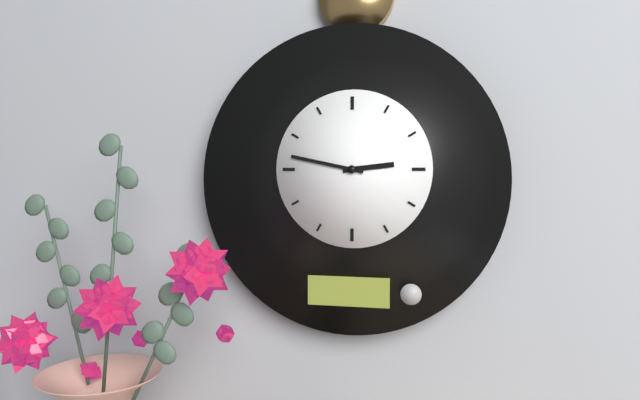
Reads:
{"hour": 2, "minute": 47}
